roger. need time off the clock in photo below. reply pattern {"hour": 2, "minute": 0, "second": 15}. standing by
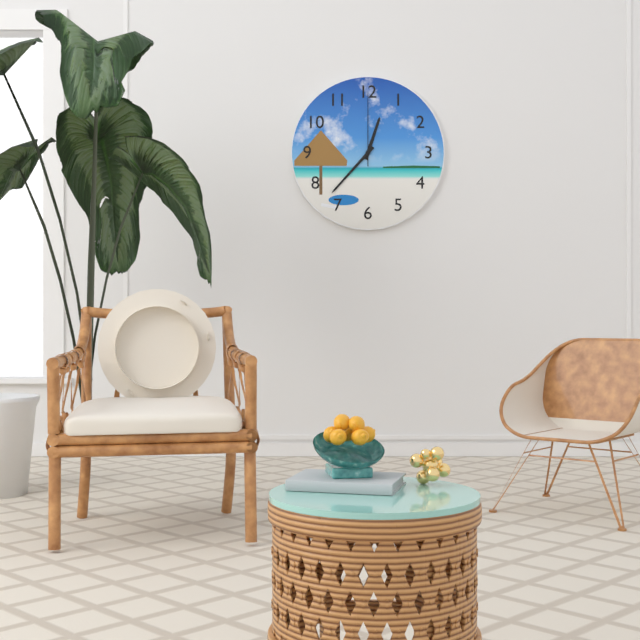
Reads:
{"hour": 12, "minute": 37, "second": 0}
